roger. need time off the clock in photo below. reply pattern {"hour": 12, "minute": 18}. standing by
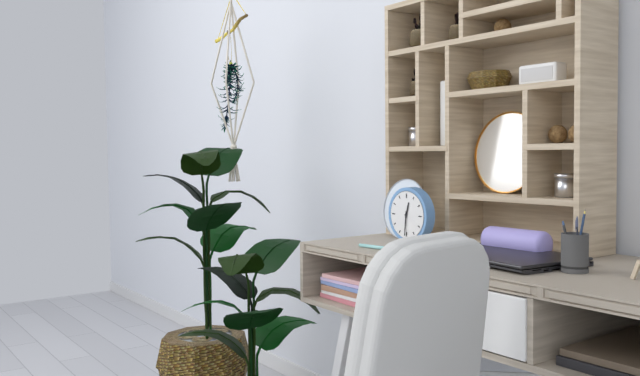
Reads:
{"hour": 12, "minute": 31}
